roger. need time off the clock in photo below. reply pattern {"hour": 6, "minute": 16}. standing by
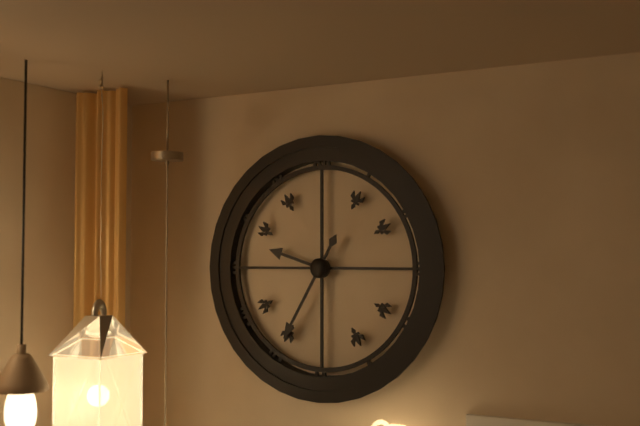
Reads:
{"hour": 9, "minute": 35}
